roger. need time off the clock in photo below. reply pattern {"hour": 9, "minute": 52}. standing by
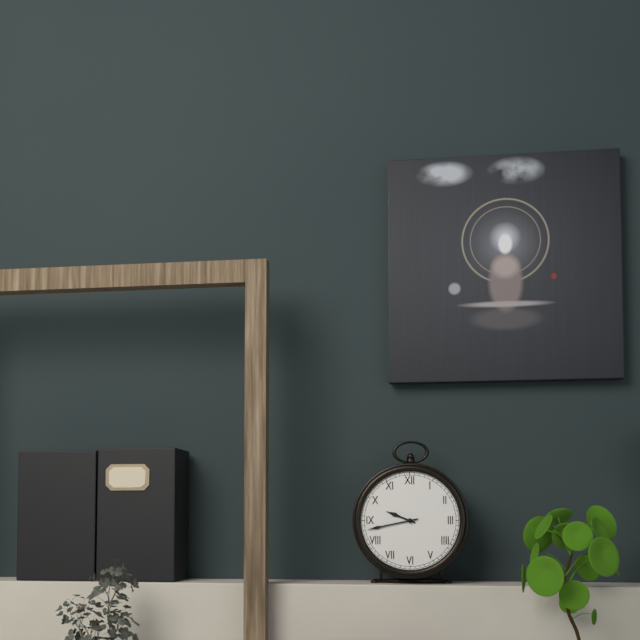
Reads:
{"hour": 9, "minute": 43}
